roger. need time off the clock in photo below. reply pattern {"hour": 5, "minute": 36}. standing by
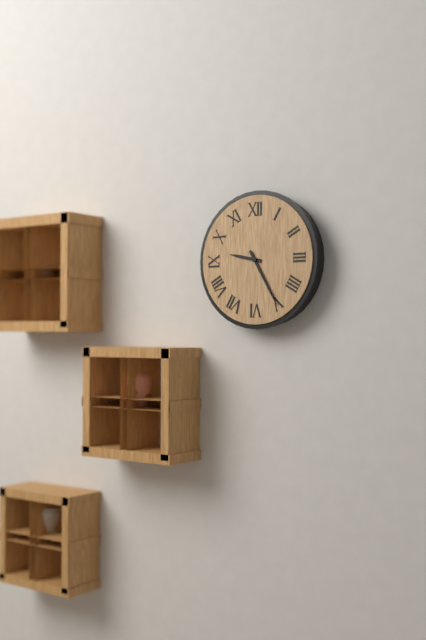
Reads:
{"hour": 9, "minute": 25}
